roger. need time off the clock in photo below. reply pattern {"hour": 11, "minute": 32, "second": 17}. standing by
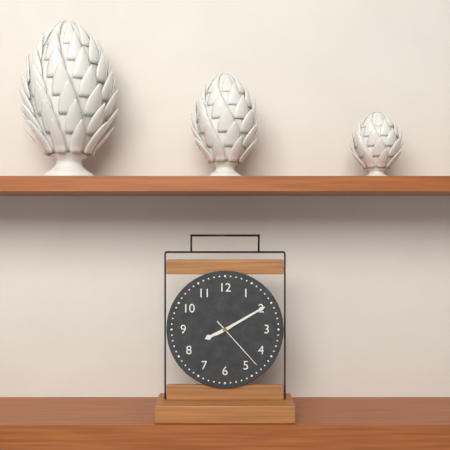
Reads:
{"hour": 8, "minute": 10, "second": 23}
